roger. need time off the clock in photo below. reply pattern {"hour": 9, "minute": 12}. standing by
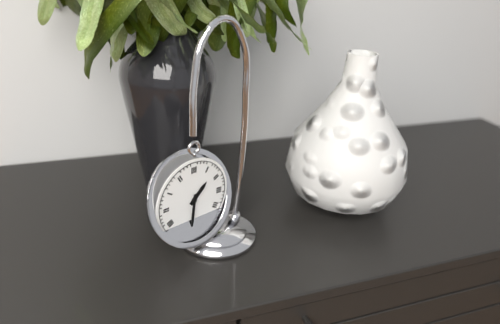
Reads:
{"hour": 1, "minute": 31}
